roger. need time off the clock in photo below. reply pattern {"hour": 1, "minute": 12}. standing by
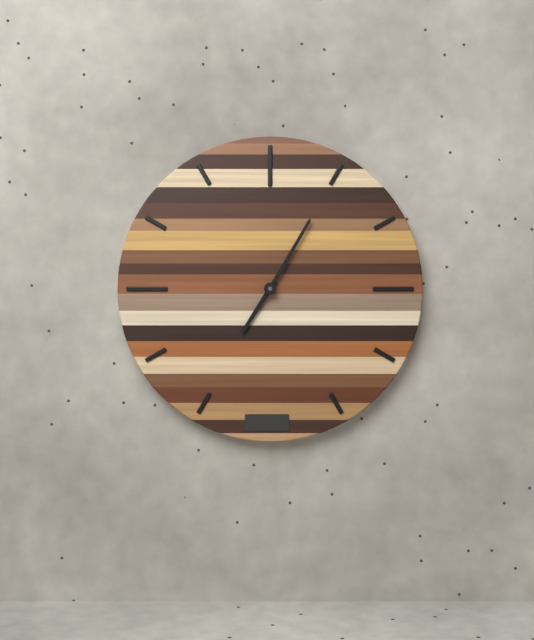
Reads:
{"hour": 7, "minute": 5}
